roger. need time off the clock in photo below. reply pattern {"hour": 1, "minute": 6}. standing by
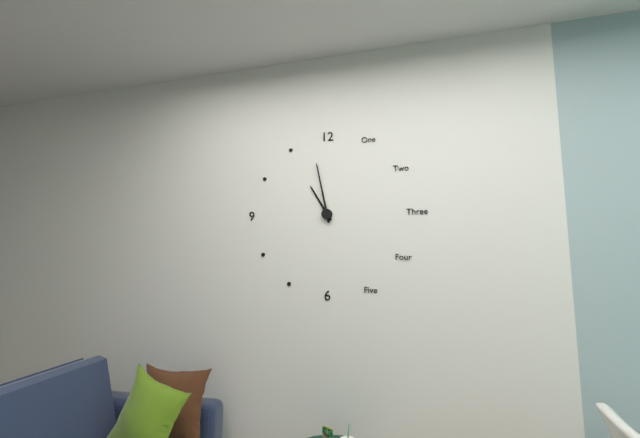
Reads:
{"hour": 10, "minute": 58}
